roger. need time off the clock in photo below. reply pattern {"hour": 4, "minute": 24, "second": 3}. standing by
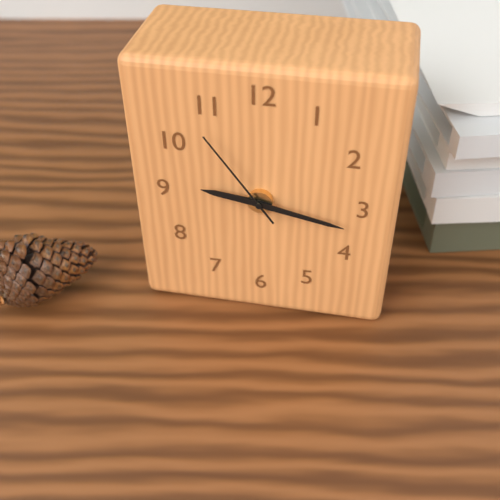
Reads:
{"hour": 9, "minute": 17, "second": 54}
